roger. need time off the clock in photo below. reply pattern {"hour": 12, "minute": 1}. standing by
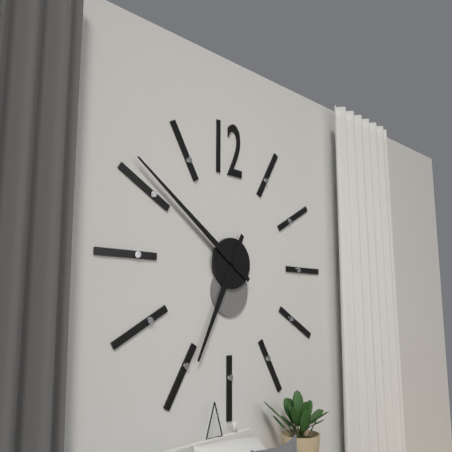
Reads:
{"hour": 6, "minute": 51}
